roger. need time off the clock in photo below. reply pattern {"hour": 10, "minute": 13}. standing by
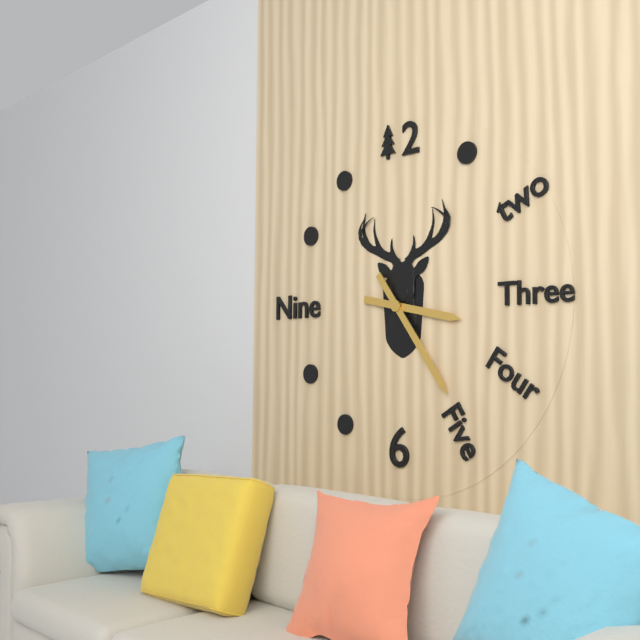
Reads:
{"hour": 3, "minute": 24}
